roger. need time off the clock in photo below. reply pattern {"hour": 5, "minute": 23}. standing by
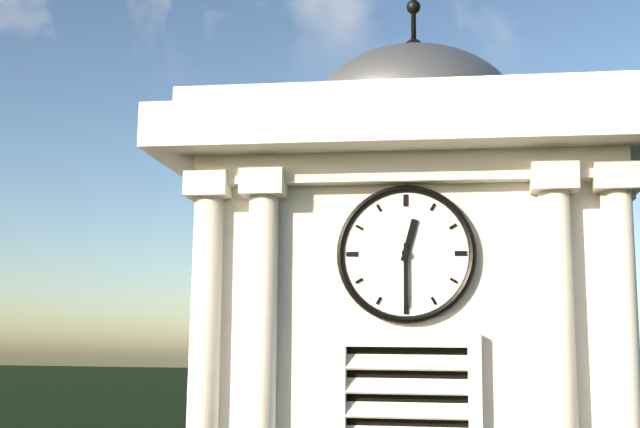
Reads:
{"hour": 12, "minute": 30}
